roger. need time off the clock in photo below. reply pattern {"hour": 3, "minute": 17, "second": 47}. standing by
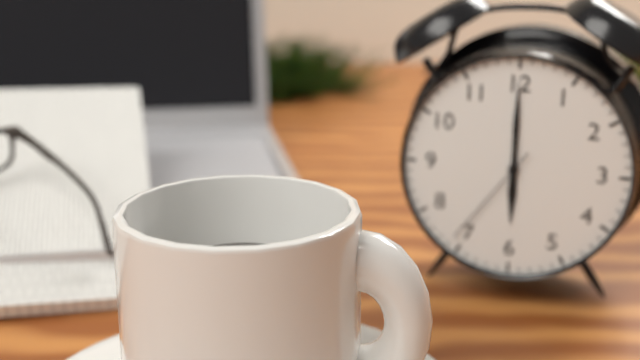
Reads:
{"hour": 6, "minute": 0, "second": 36}
